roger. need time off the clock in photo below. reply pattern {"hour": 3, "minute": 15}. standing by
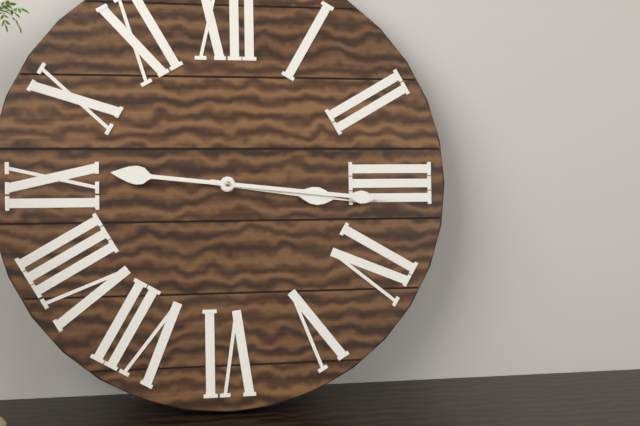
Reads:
{"hour": 3, "minute": 16}
